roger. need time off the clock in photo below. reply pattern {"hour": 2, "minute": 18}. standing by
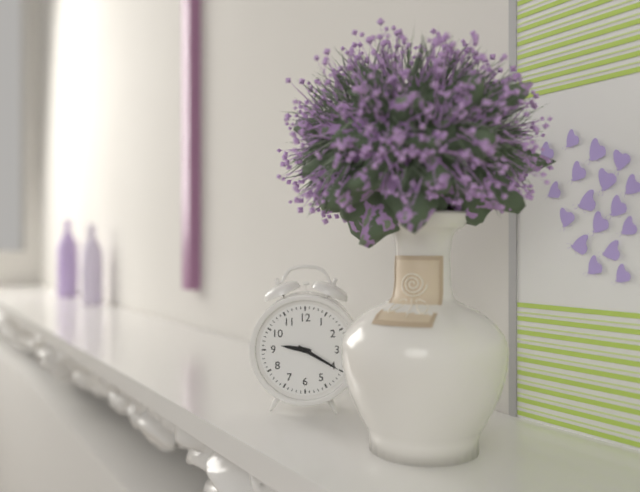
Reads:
{"hour": 9, "minute": 20}
